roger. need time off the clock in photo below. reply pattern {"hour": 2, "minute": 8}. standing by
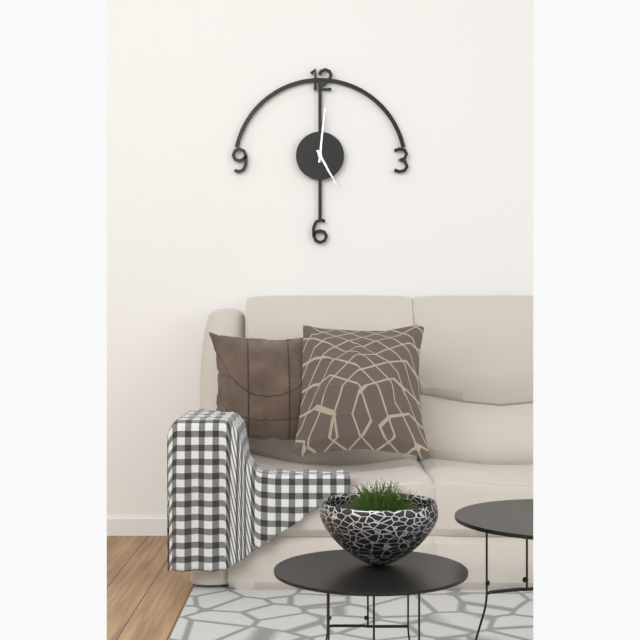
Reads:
{"hour": 5, "minute": 1}
